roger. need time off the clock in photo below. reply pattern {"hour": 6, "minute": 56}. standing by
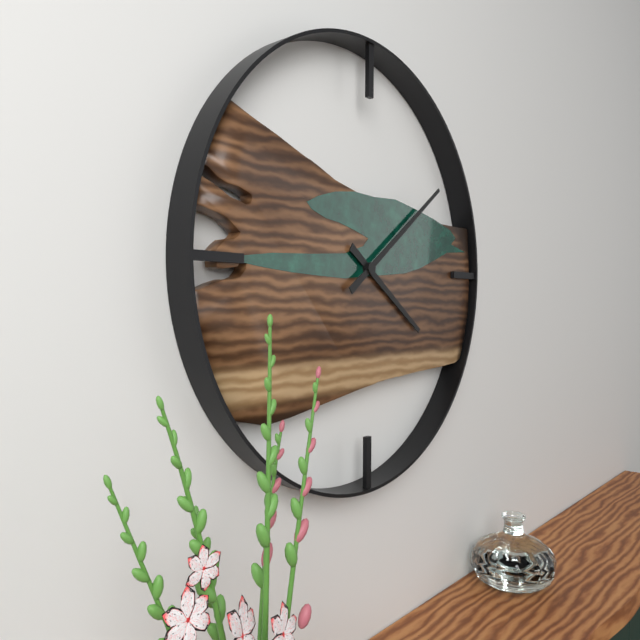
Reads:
{"hour": 4, "minute": 9}
